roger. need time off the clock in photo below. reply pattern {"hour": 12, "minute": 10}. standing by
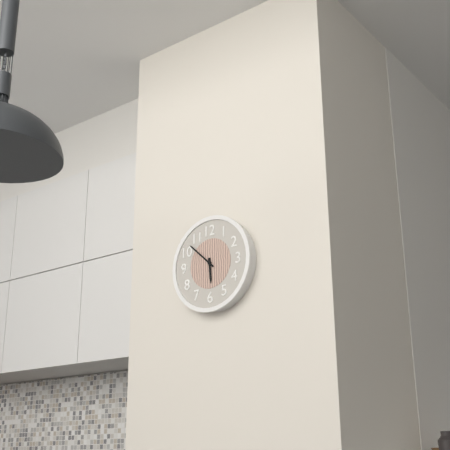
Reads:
{"hour": 5, "minute": 52}
